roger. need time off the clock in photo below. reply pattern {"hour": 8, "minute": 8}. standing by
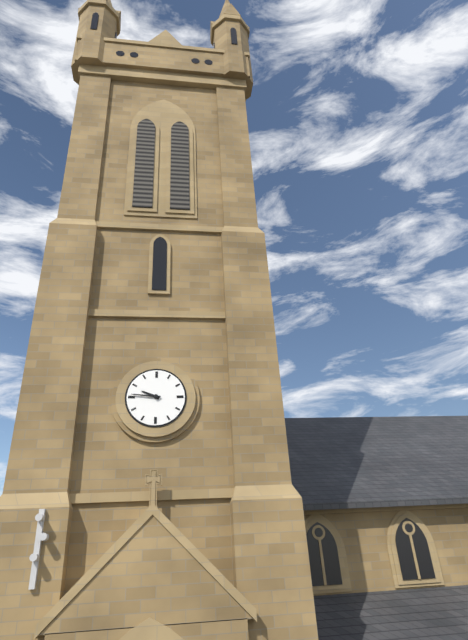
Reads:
{"hour": 9, "minute": 46}
